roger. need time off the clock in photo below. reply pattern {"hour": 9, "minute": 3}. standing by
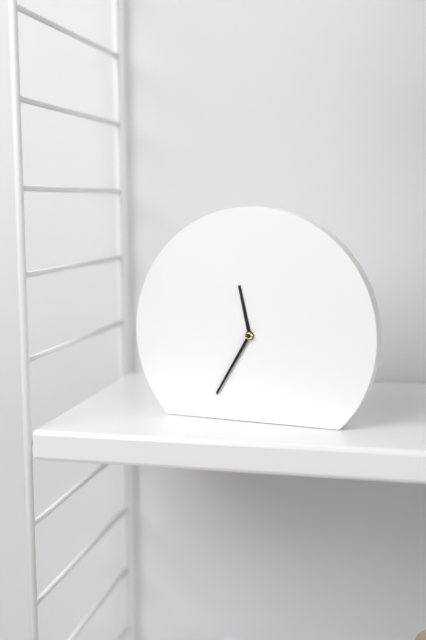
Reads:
{"hour": 11, "minute": 35}
